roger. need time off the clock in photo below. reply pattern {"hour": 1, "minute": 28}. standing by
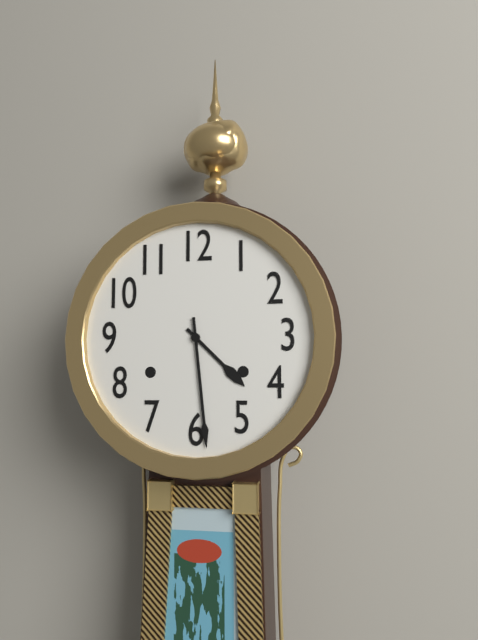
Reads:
{"hour": 4, "minute": 29}
